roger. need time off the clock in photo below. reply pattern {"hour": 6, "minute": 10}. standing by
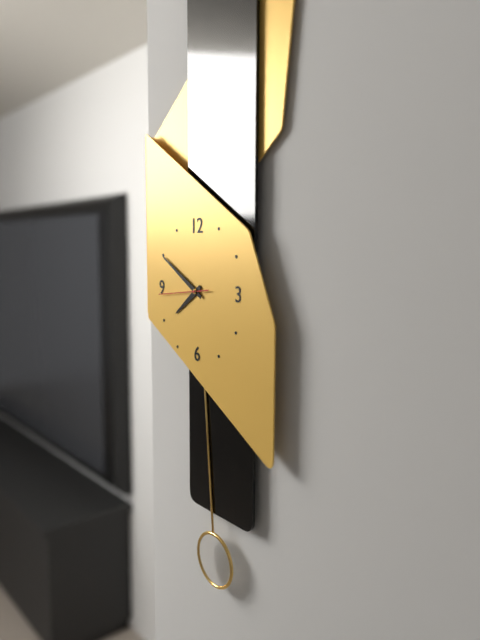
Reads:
{"hour": 7, "minute": 50}
